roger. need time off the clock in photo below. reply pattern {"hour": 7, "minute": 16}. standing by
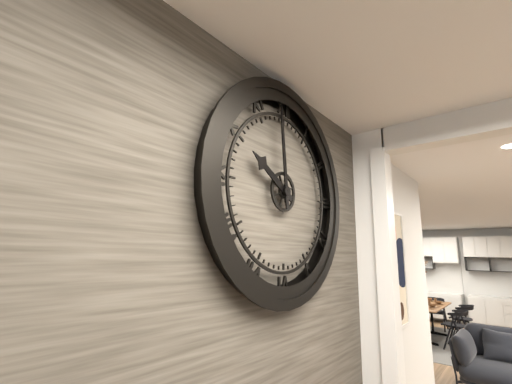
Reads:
{"hour": 9, "minute": 59}
